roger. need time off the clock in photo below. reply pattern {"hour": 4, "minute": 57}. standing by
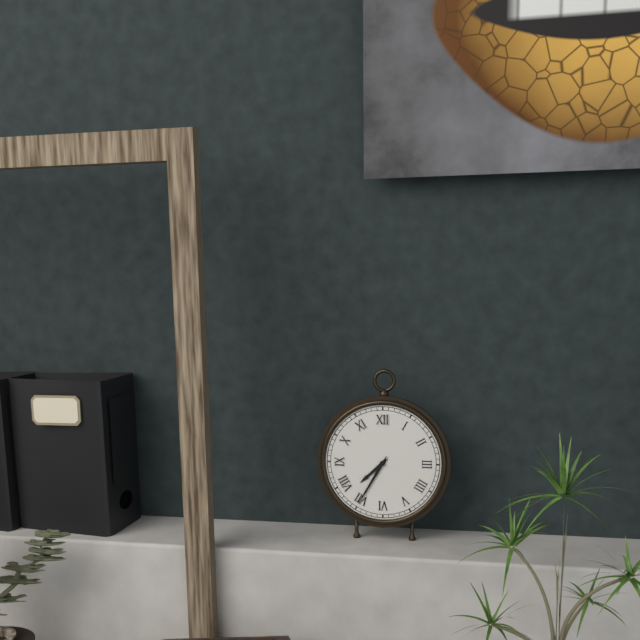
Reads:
{"hour": 7, "minute": 35}
